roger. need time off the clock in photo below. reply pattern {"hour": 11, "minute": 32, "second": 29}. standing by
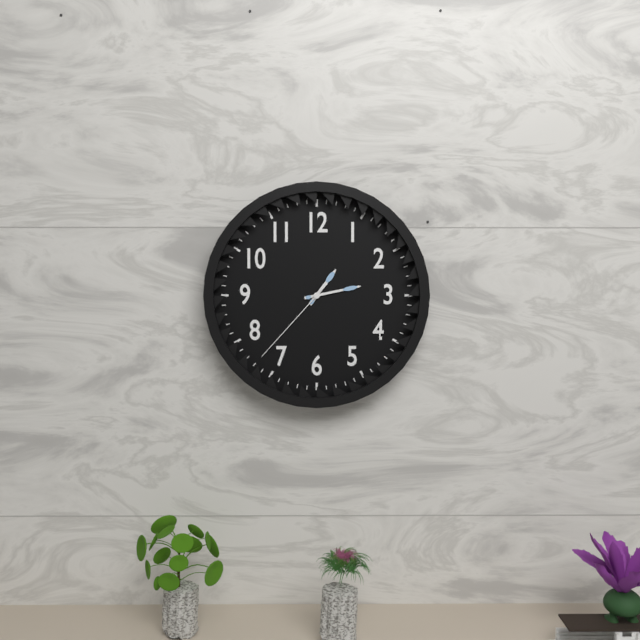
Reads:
{"hour": 1, "minute": 13, "second": 37}
